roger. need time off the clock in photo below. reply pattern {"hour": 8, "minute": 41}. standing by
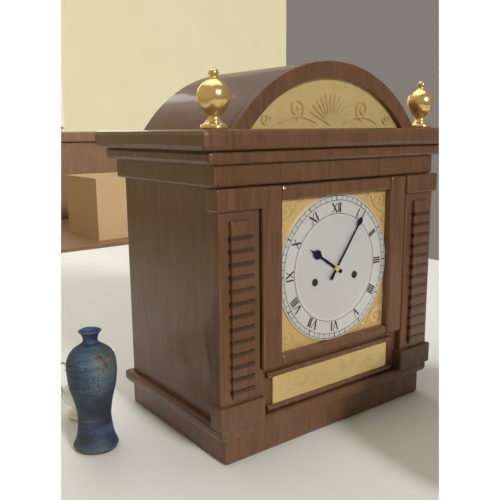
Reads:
{"hour": 10, "minute": 6}
